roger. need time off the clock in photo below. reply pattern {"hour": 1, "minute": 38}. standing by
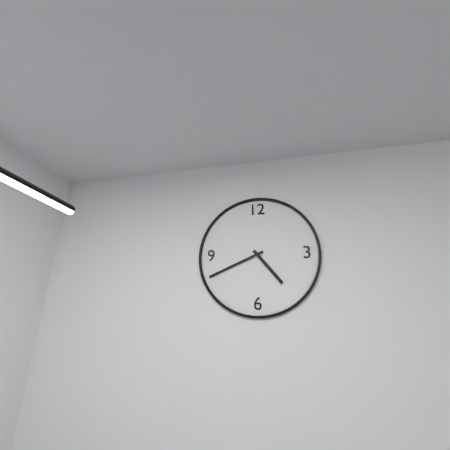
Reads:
{"hour": 4, "minute": 41}
